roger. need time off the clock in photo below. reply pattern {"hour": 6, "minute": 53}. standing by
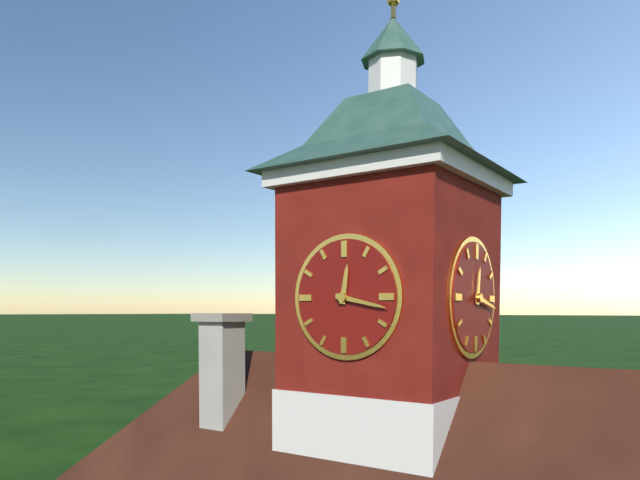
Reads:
{"hour": 12, "minute": 17}
